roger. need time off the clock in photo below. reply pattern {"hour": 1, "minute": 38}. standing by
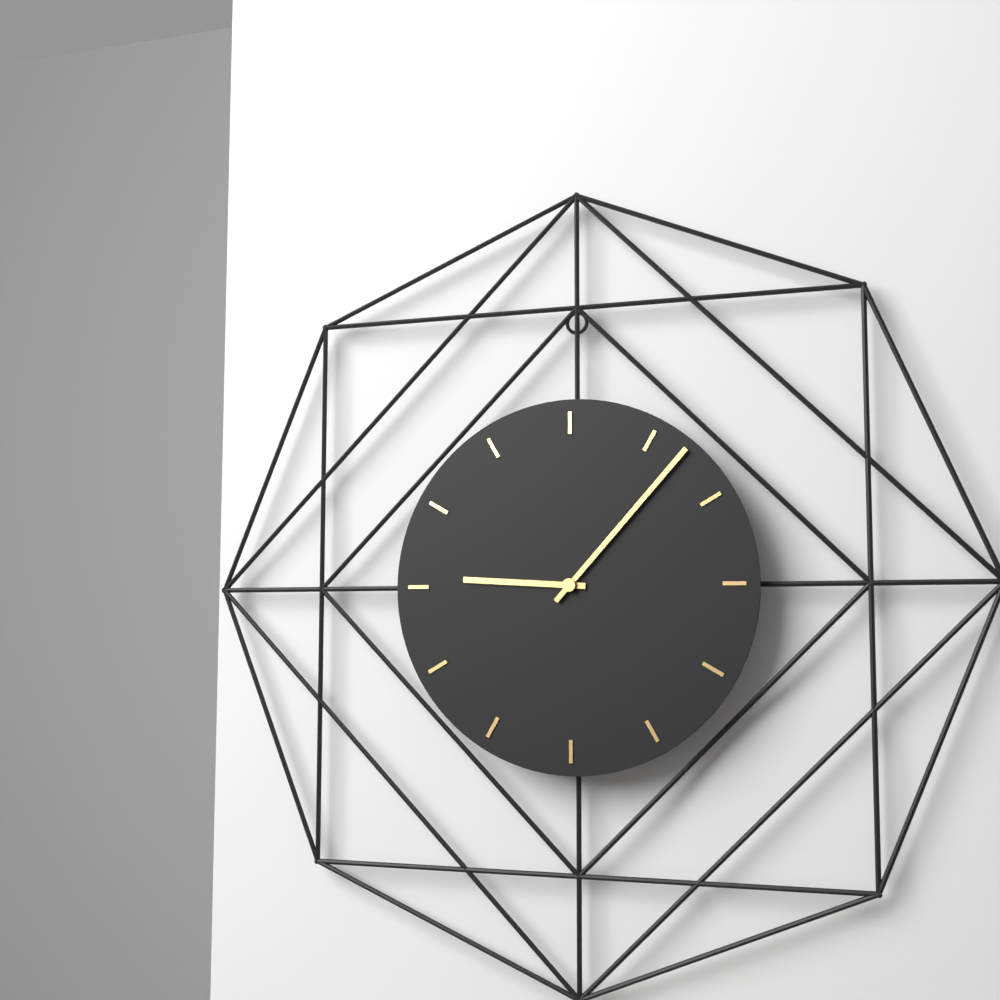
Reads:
{"hour": 9, "minute": 7}
